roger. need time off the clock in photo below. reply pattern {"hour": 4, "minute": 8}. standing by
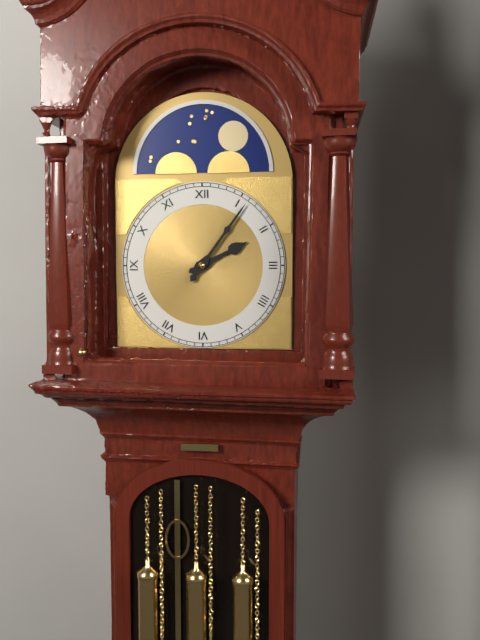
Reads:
{"hour": 2, "minute": 6}
